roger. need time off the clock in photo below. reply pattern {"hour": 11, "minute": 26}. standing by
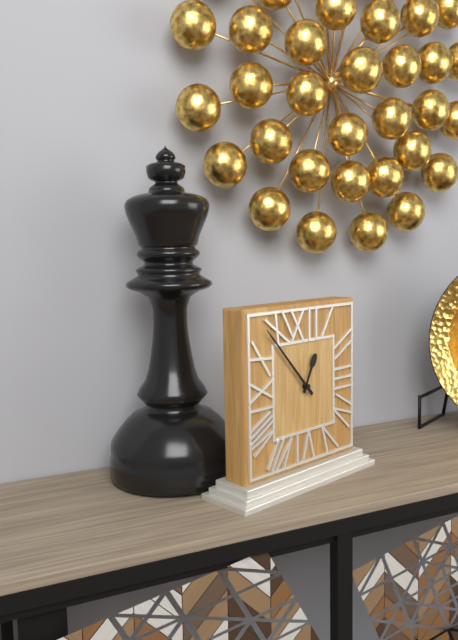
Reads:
{"hour": 12, "minute": 53}
